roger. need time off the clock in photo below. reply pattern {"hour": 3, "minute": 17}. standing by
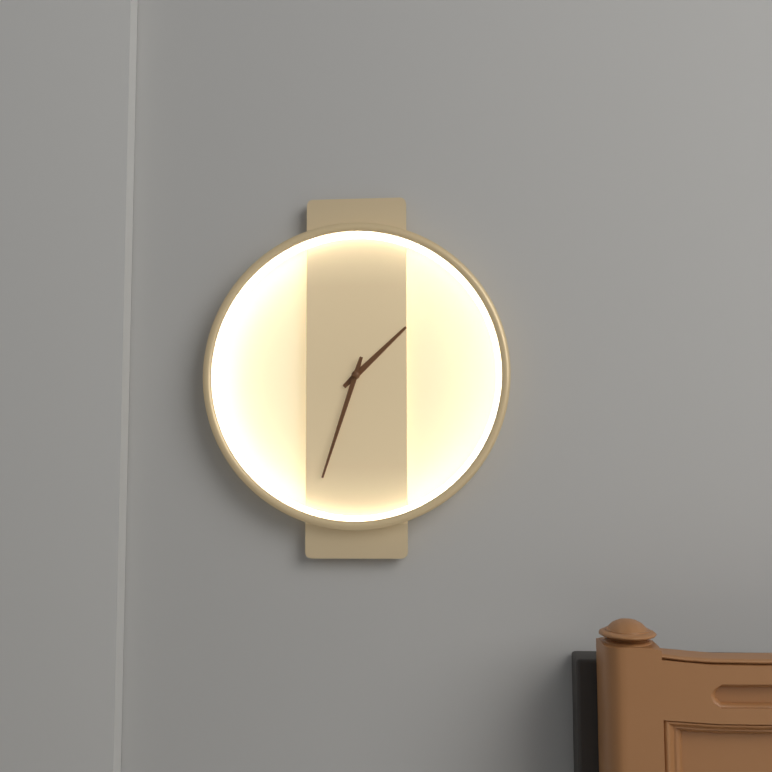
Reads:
{"hour": 1, "minute": 33}
